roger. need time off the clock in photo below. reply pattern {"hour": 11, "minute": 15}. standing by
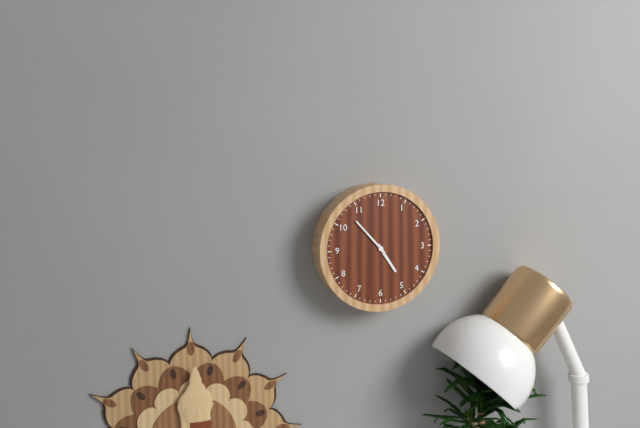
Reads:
{"hour": 4, "minute": 53}
